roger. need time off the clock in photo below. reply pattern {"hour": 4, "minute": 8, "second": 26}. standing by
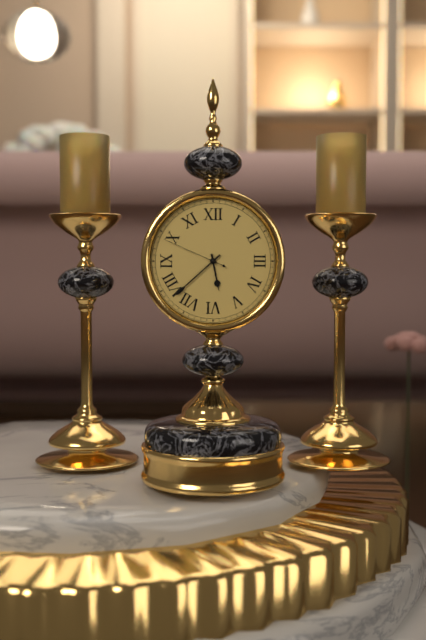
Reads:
{"hour": 5, "minute": 38, "second": 49}
